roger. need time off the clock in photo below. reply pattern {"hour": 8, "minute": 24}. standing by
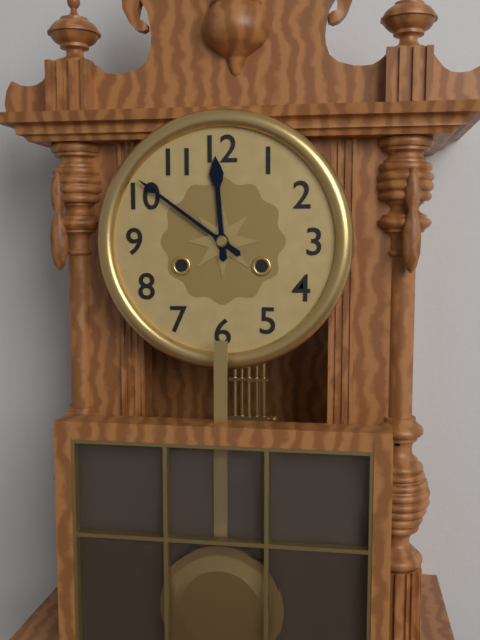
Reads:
{"hour": 11, "minute": 51}
